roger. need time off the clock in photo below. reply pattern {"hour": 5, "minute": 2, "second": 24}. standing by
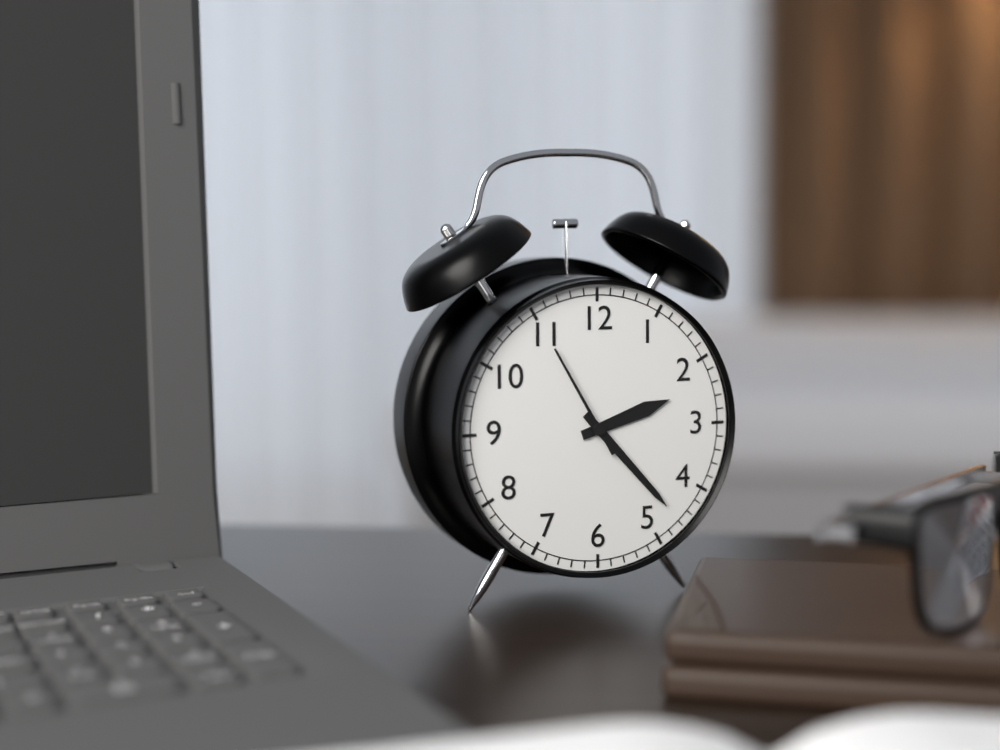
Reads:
{"hour": 2, "minute": 23, "second": 55}
